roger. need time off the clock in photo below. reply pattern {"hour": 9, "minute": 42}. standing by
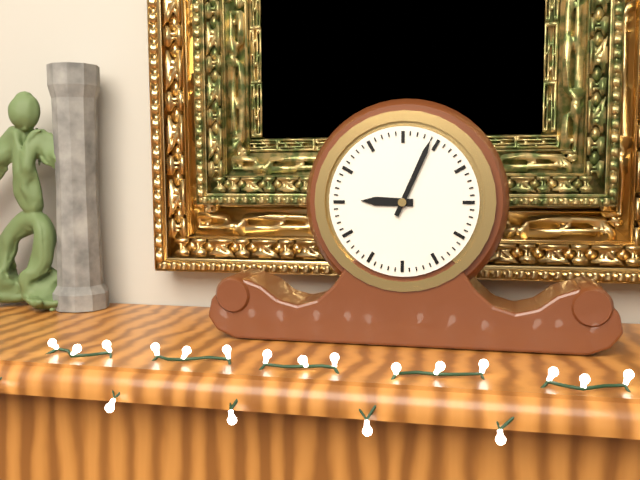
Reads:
{"hour": 9, "minute": 4}
